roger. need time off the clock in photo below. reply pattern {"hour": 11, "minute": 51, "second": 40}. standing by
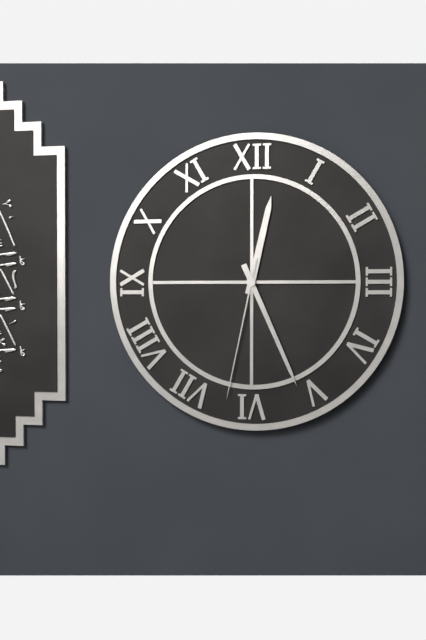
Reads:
{"hour": 12, "minute": 26, "second": 32}
